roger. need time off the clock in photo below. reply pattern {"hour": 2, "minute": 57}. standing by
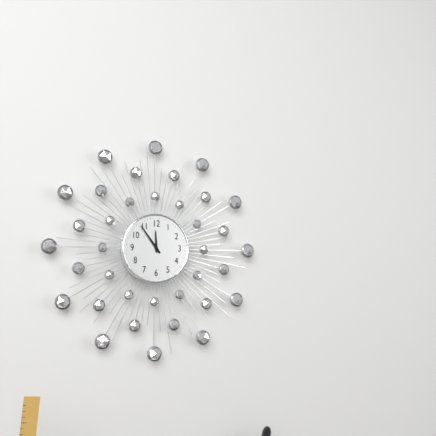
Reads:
{"hour": 11, "minute": 54}
